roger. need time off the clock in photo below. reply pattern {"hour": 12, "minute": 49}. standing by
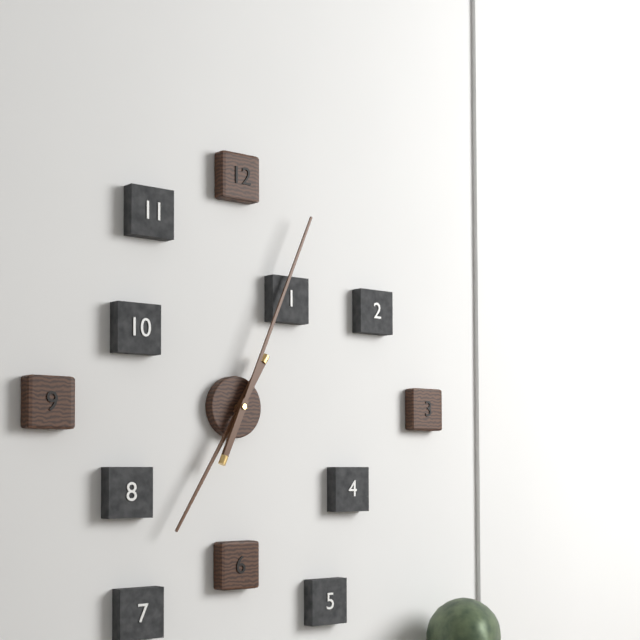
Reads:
{"hour": 7, "minute": 4}
